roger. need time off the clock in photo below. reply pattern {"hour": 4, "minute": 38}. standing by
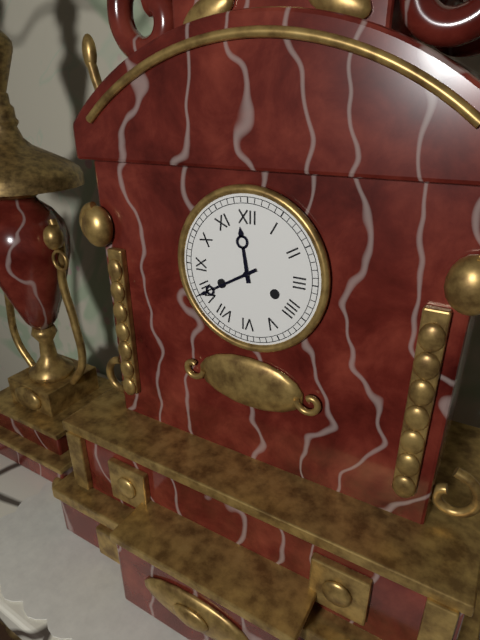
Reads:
{"hour": 11, "minute": 40}
